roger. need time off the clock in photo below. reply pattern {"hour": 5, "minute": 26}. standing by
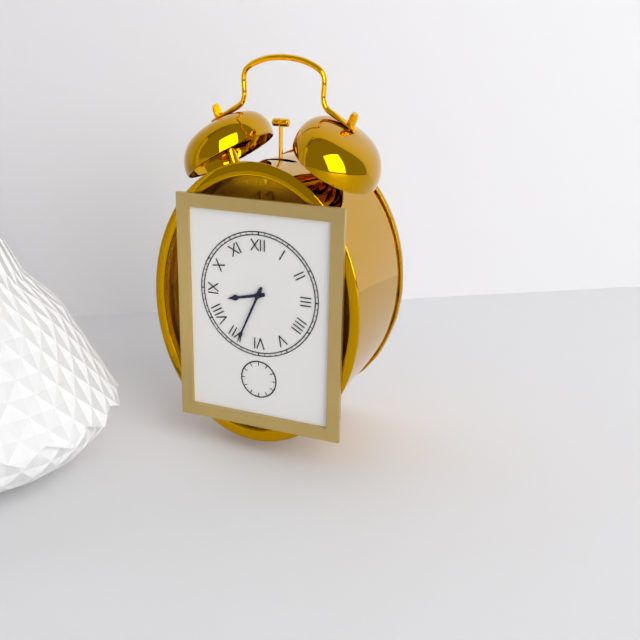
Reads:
{"hour": 8, "minute": 34}
